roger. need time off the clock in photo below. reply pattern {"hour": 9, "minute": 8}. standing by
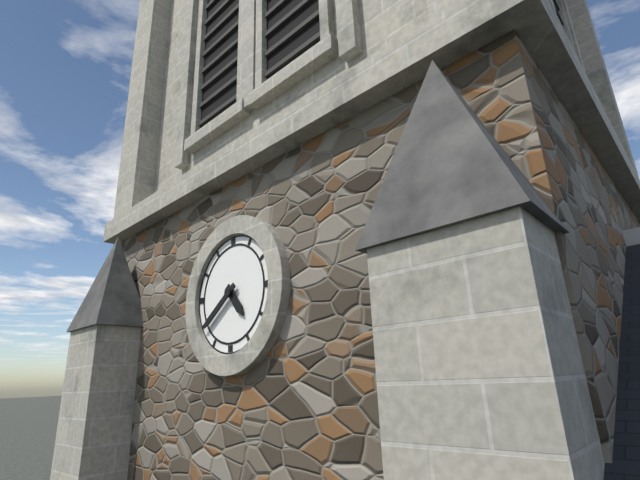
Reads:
{"hour": 4, "minute": 39}
